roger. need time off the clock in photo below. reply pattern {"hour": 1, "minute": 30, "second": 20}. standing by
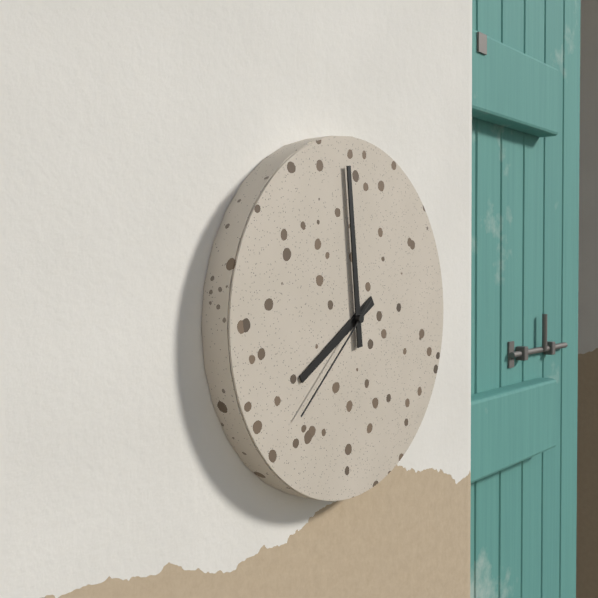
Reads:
{"hour": 7, "minute": 59, "second": 38}
